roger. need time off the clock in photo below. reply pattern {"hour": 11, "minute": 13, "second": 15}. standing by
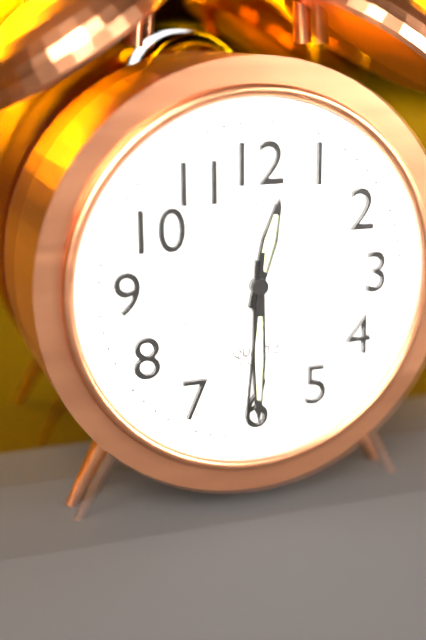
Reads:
{"hour": 12, "minute": 30, "second": 31}
